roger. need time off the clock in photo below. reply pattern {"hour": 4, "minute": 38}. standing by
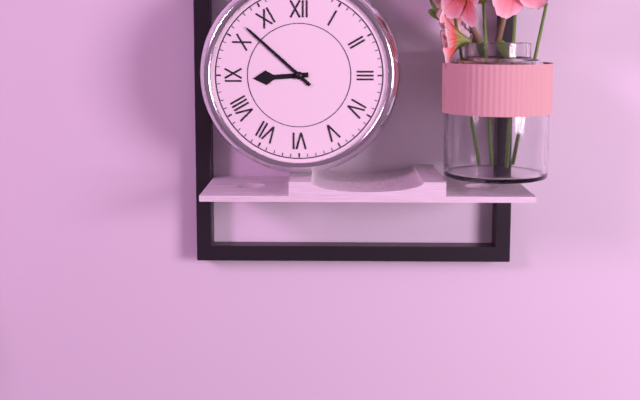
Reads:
{"hour": 8, "minute": 52}
